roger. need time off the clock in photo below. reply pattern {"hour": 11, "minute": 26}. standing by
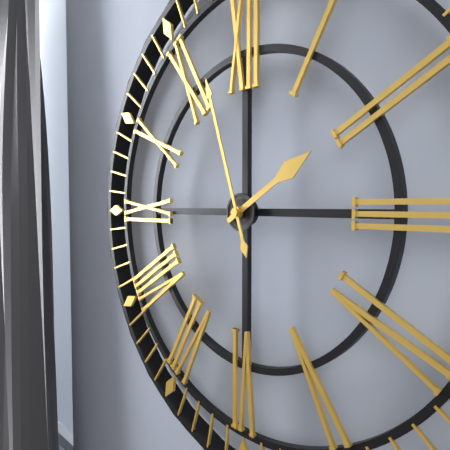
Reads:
{"hour": 1, "minute": 57}
